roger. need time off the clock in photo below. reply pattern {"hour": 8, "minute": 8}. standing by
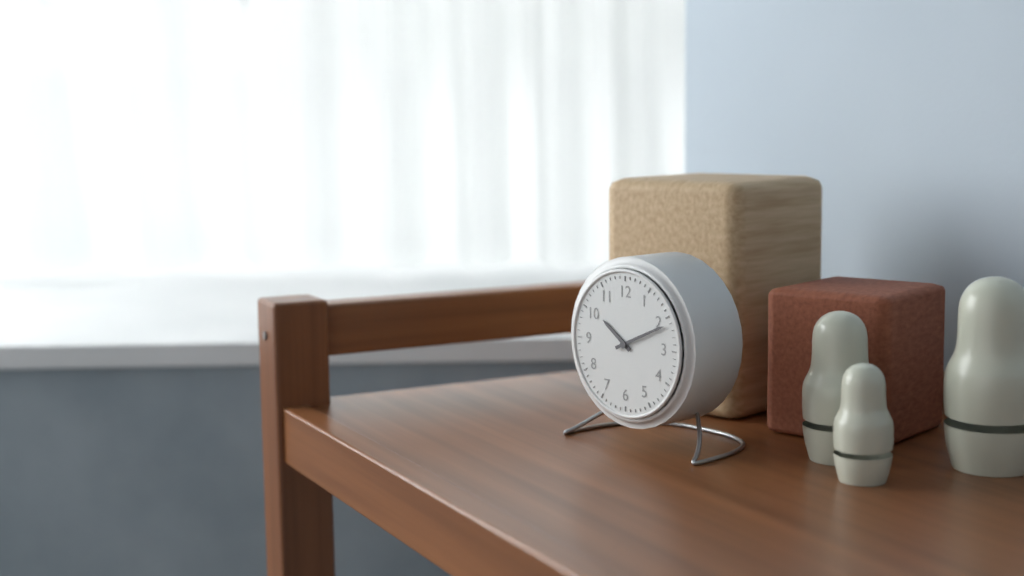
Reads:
{"hour": 10, "minute": 11}
